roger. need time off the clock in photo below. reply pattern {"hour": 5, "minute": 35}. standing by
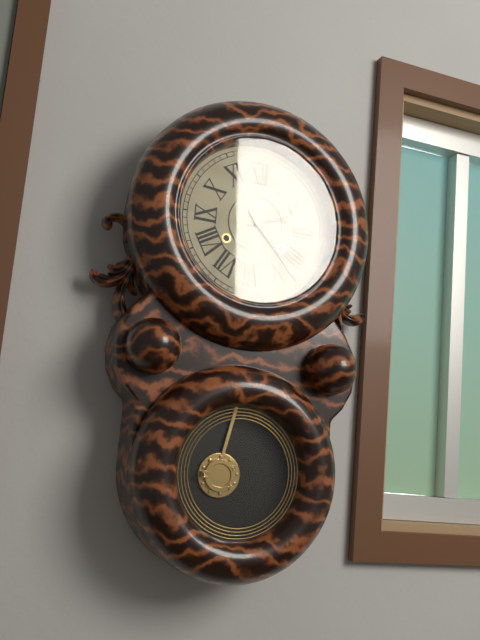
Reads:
{"hour": 2, "minute": 23}
